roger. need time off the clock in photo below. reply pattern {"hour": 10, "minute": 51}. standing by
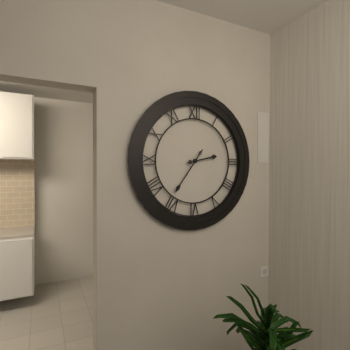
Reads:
{"hour": 2, "minute": 36}
